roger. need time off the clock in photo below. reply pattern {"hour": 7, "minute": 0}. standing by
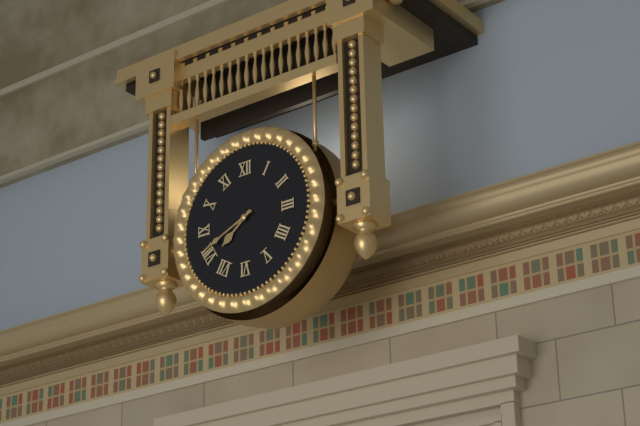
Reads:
{"hour": 7, "minute": 41}
